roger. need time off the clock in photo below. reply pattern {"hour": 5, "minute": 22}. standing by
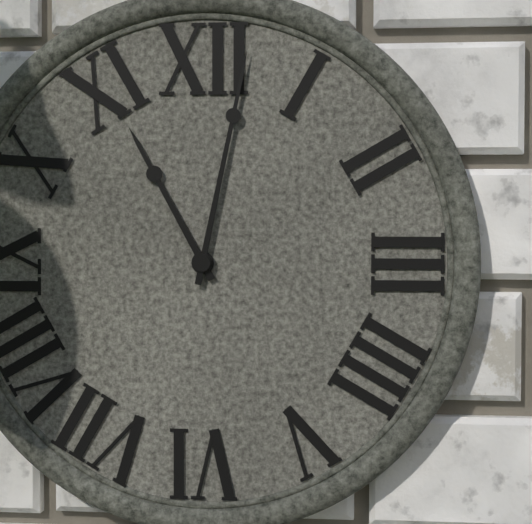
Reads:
{"hour": 11, "minute": 2}
